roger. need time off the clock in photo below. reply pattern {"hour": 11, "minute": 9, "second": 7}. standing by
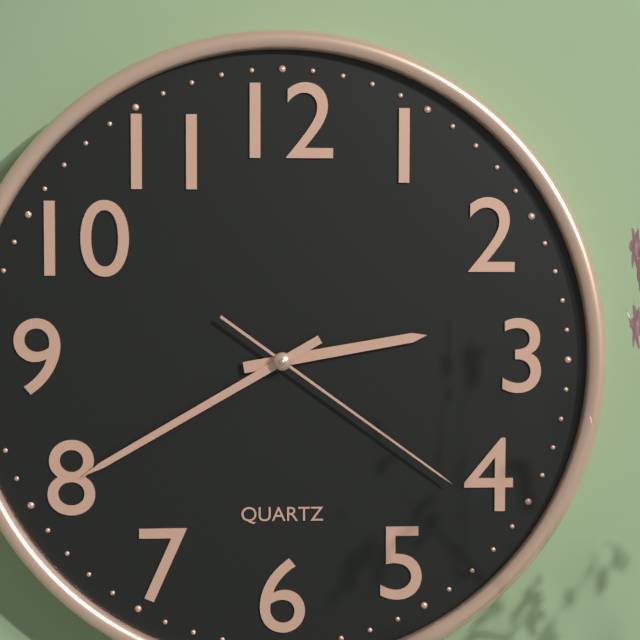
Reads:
{"hour": 2, "minute": 40, "second": 21}
